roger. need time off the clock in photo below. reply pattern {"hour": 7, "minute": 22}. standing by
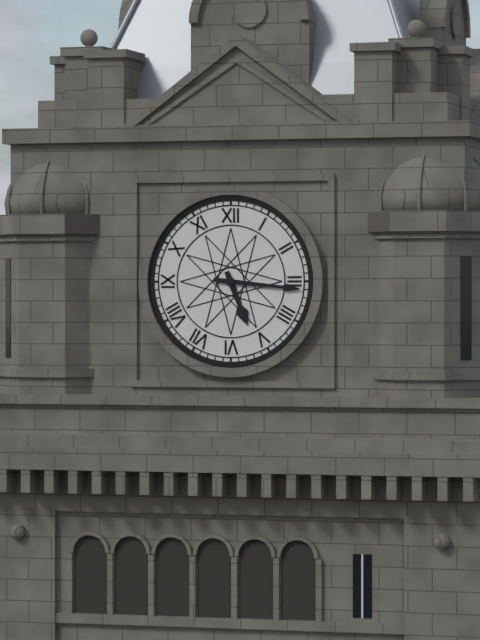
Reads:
{"hour": 5, "minute": 16}
